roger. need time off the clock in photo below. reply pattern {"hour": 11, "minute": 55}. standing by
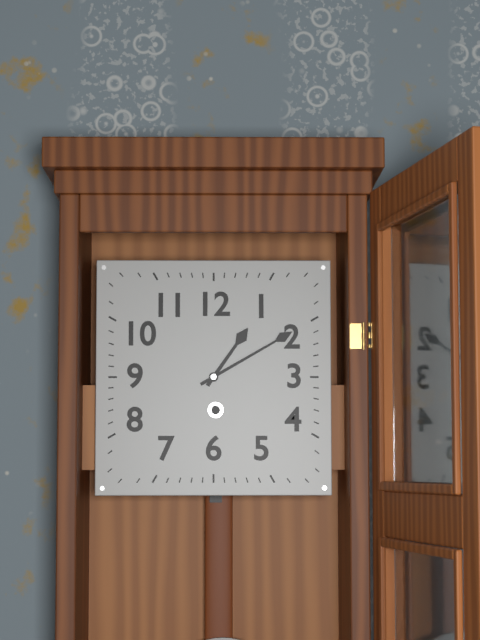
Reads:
{"hour": 1, "minute": 10}
